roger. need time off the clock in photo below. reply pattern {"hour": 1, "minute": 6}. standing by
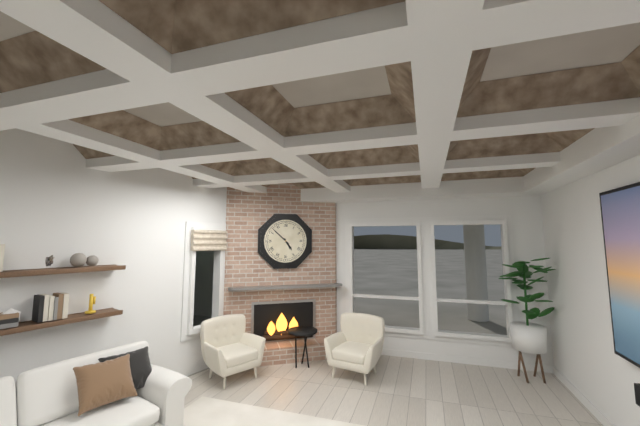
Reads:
{"hour": 4, "minute": 52}
